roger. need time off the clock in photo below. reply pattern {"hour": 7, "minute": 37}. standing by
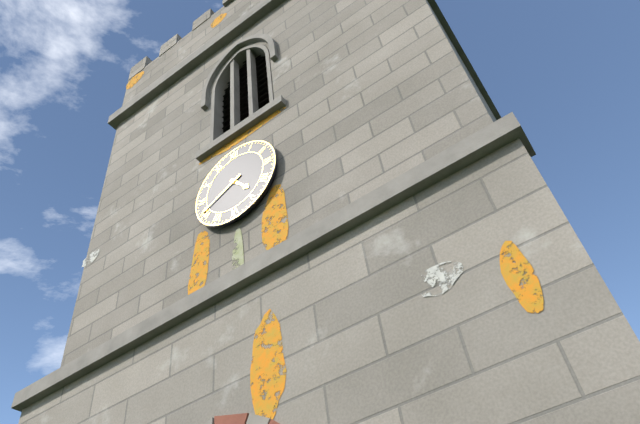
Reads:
{"hour": 4, "minute": 41}
